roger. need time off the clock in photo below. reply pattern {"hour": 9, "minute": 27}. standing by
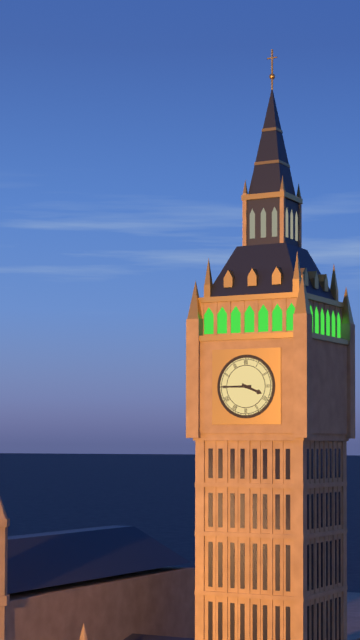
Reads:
{"hour": 3, "minute": 45}
